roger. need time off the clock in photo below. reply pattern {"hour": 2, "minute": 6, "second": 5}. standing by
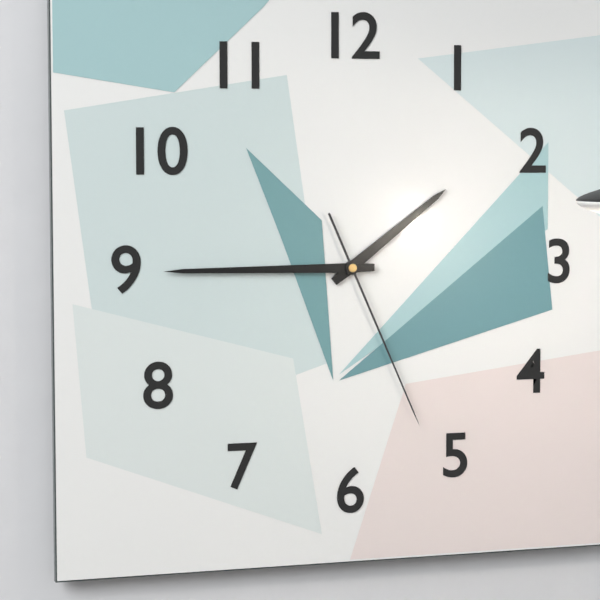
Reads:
{"hour": 1, "minute": 45, "second": 26}
